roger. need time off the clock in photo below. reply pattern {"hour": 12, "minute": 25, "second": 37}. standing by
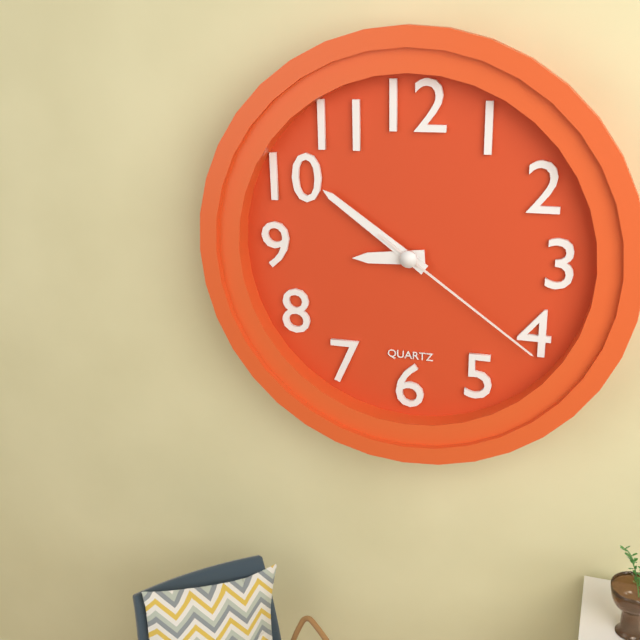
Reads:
{"hour": 8, "minute": 51, "second": 21}
